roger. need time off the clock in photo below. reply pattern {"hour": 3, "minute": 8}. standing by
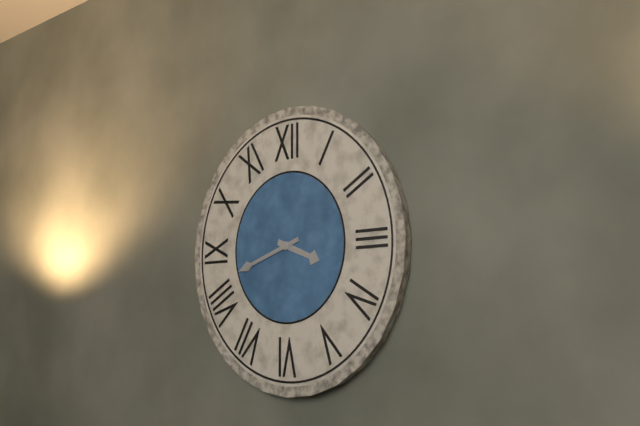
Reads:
{"hour": 3, "minute": 42}
